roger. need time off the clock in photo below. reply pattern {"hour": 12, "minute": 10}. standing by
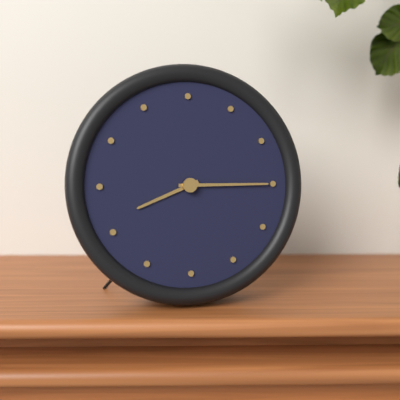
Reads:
{"hour": 8, "minute": 15}
